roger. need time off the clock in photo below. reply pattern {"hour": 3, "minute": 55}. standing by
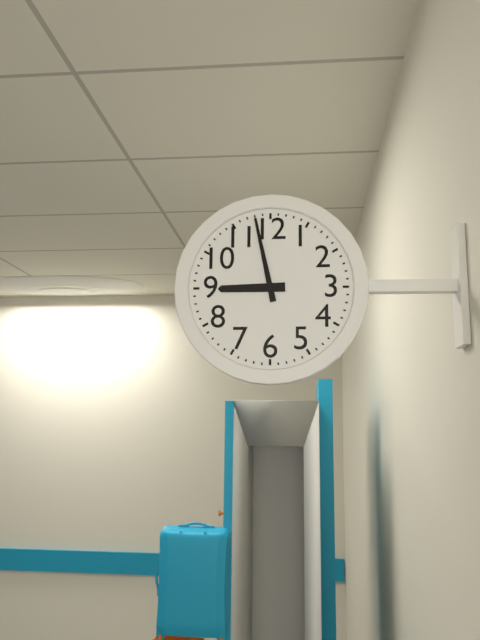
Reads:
{"hour": 8, "minute": 58}
